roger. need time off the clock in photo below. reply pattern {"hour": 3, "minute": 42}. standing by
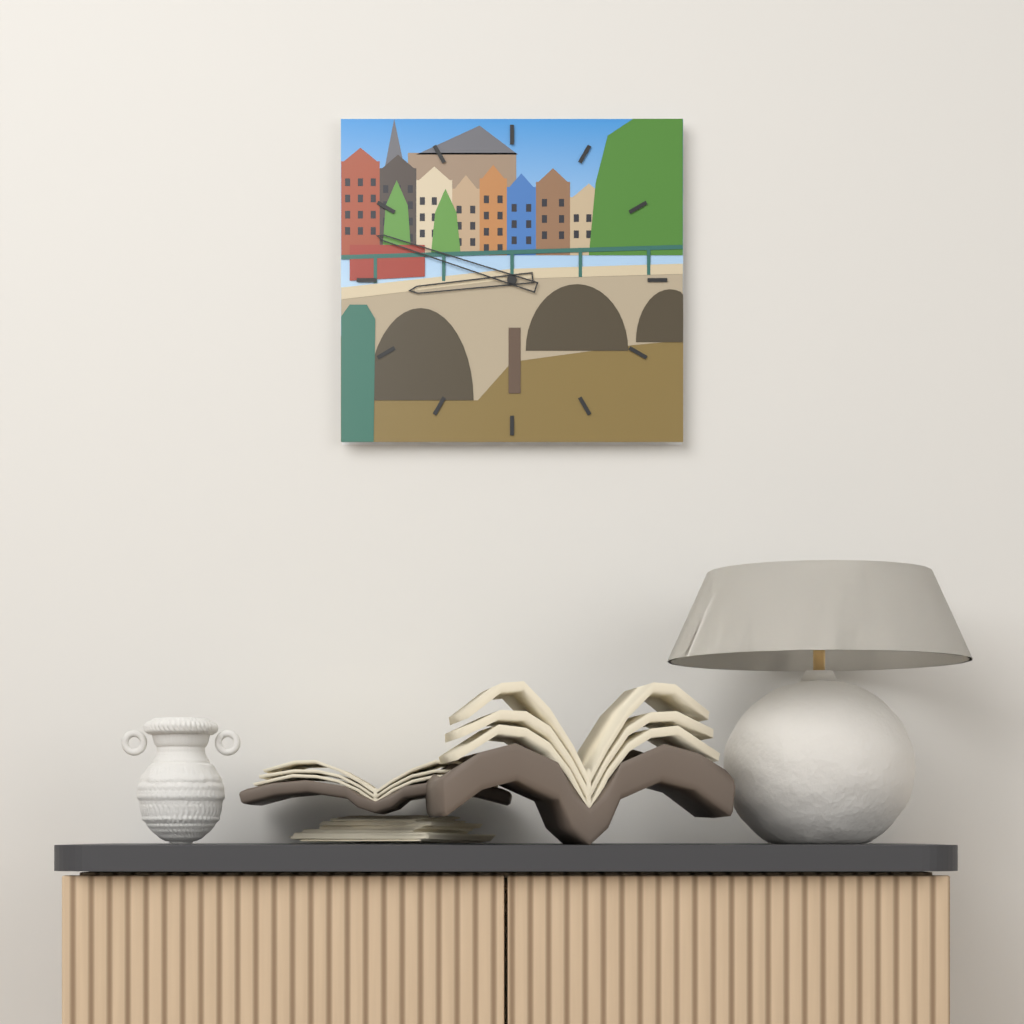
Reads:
{"hour": 8, "minute": 48}
